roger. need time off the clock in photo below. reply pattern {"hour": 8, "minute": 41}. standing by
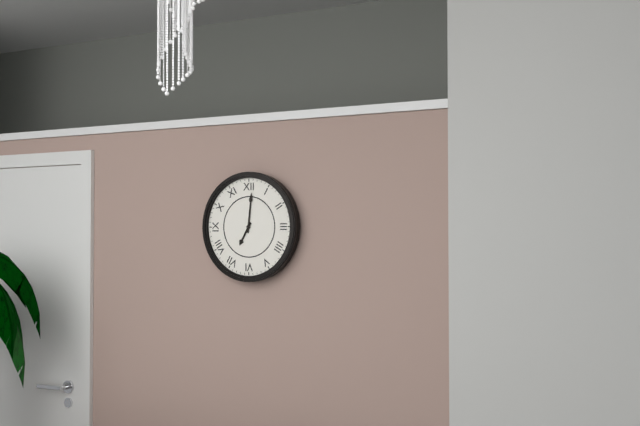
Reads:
{"hour": 7, "minute": 1}
